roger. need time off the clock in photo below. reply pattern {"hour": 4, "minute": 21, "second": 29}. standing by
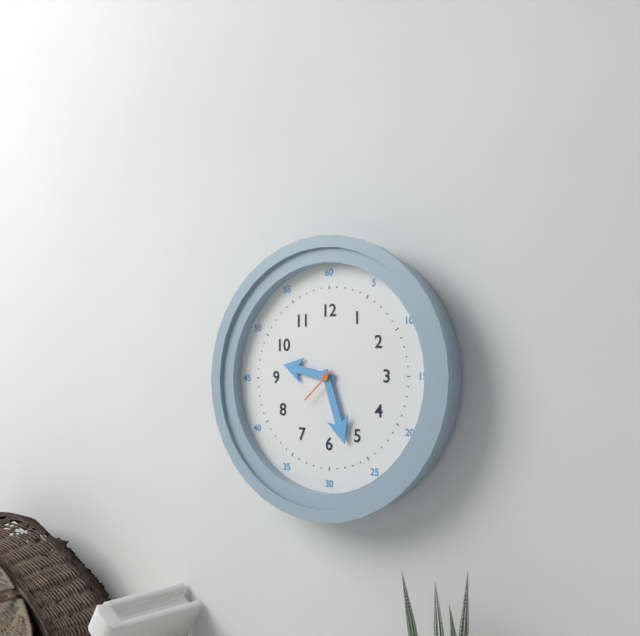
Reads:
{"hour": 9, "minute": 27, "second": 38}
